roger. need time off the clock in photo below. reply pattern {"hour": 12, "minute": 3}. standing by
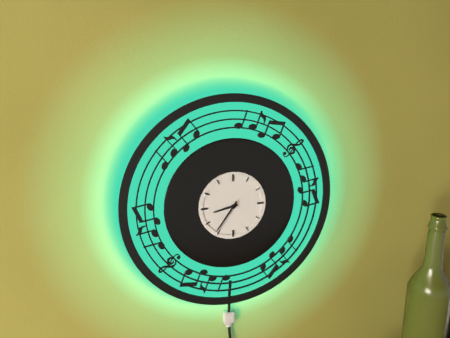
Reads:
{"hour": 8, "minute": 36}
